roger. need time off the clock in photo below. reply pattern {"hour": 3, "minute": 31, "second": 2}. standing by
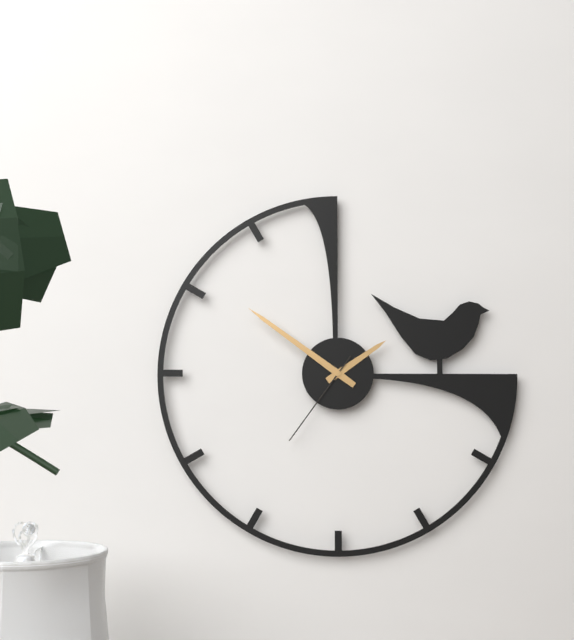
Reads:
{"hour": 1, "minute": 51, "second": 36}
